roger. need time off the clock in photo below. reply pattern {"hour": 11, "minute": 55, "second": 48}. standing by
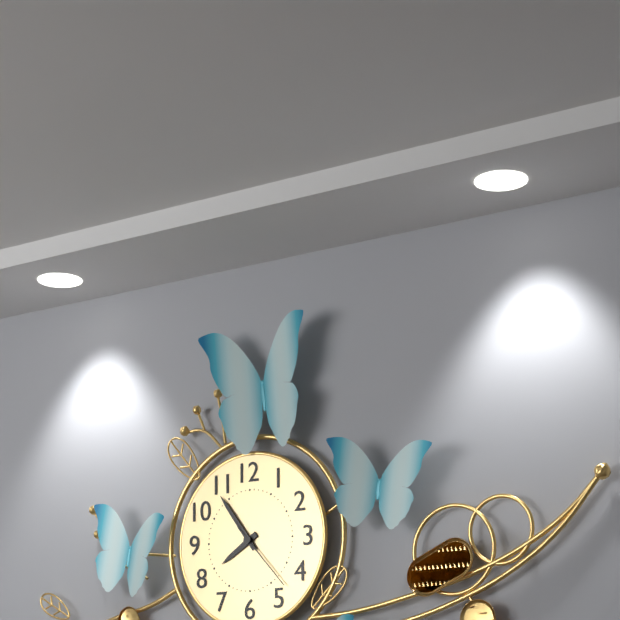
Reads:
{"hour": 7, "minute": 54, "second": 23}
